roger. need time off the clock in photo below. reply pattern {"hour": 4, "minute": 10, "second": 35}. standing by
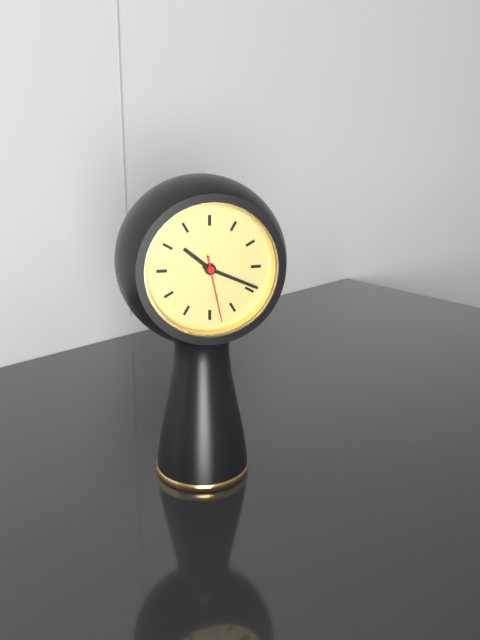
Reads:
{"hour": 10, "minute": 19, "second": 28}
